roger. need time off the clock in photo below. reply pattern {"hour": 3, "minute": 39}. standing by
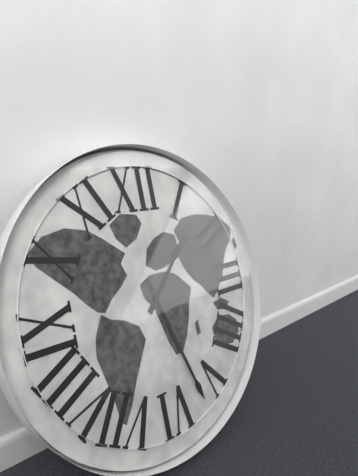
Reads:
{"hour": 1, "minute": 27}
